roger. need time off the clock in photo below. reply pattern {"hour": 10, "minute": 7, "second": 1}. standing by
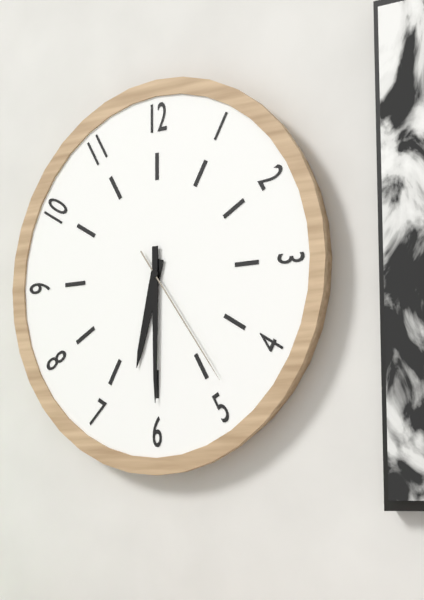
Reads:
{"hour": 6, "minute": 30, "second": 24}
